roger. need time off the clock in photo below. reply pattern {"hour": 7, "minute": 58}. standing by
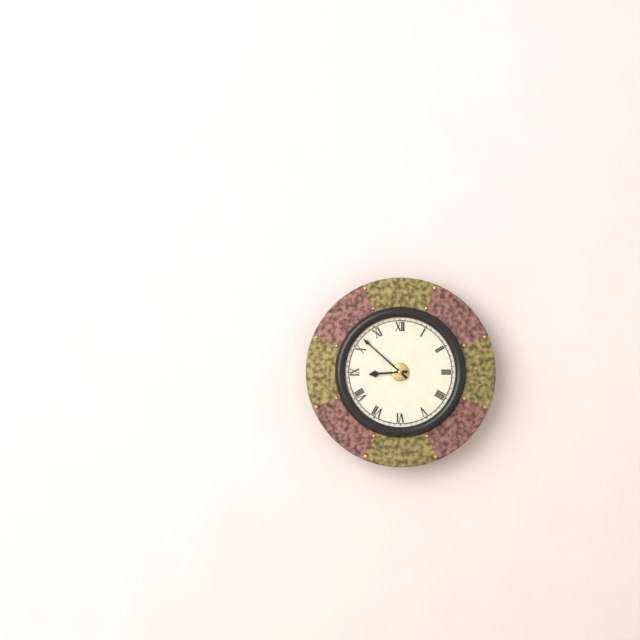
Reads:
{"hour": 8, "minute": 52}
